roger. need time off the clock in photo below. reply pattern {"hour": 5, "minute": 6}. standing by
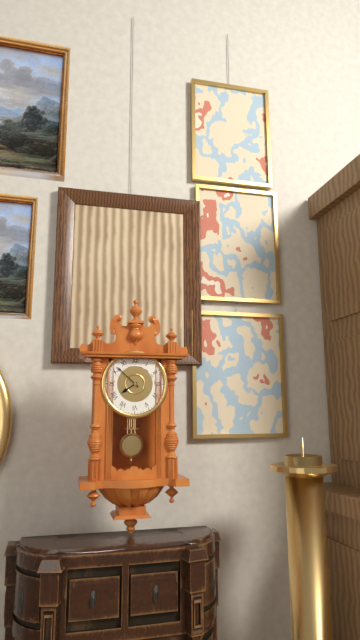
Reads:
{"hour": 7, "minute": 52}
